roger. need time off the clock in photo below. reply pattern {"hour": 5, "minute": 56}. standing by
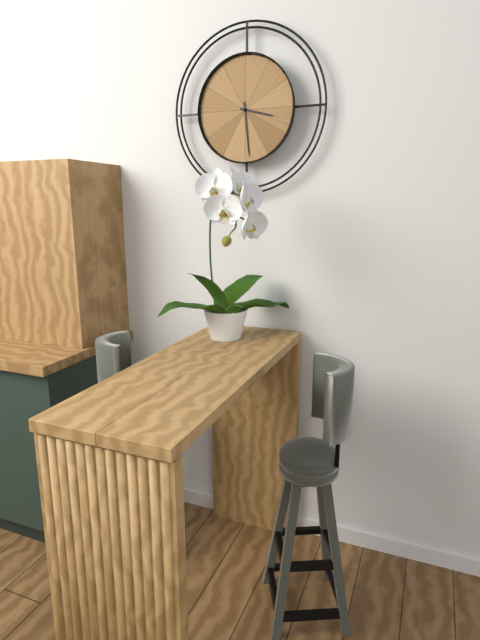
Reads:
{"hour": 3, "minute": 29}
